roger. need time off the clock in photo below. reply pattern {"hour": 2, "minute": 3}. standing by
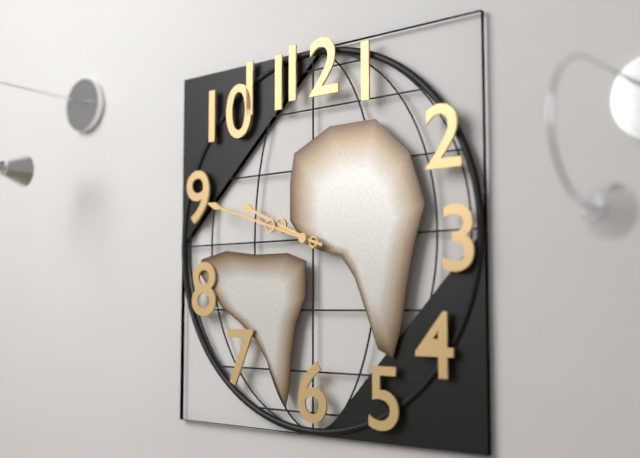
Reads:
{"hour": 9, "minute": 48}
